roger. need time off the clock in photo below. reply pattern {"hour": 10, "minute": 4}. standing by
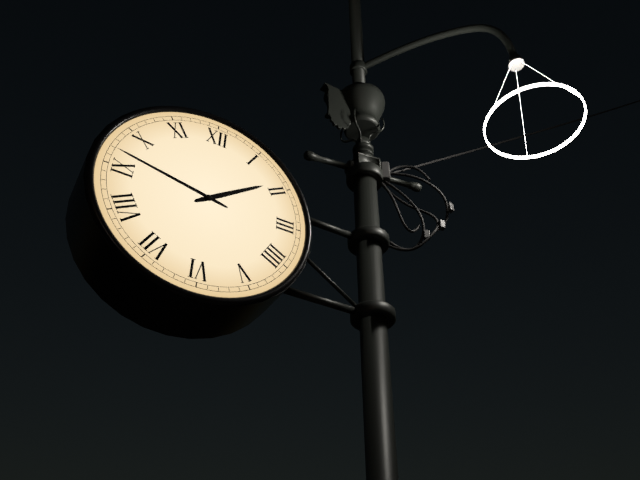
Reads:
{"hour": 1, "minute": 47}
